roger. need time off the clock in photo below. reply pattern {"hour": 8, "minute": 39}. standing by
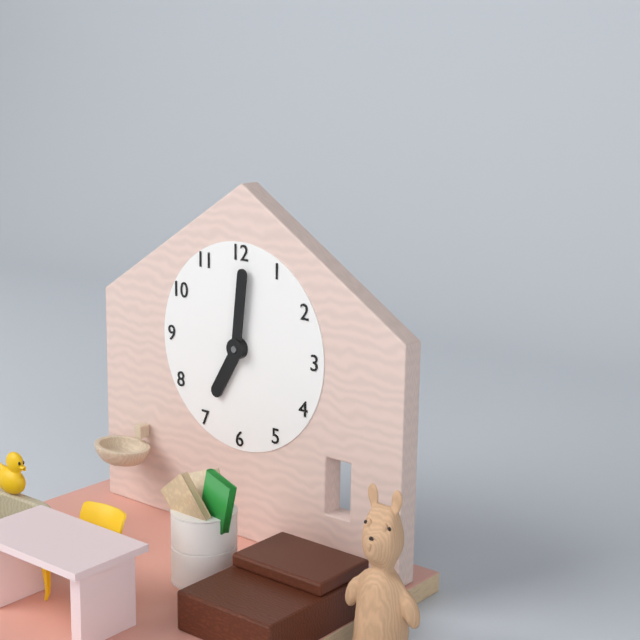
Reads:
{"hour": 7, "minute": 1}
